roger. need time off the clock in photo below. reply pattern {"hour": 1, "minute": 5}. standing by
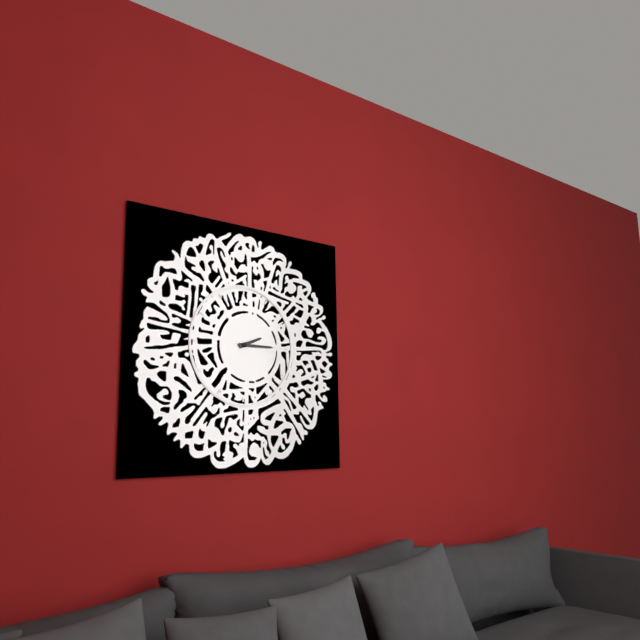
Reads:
{"hour": 2, "minute": 15}
